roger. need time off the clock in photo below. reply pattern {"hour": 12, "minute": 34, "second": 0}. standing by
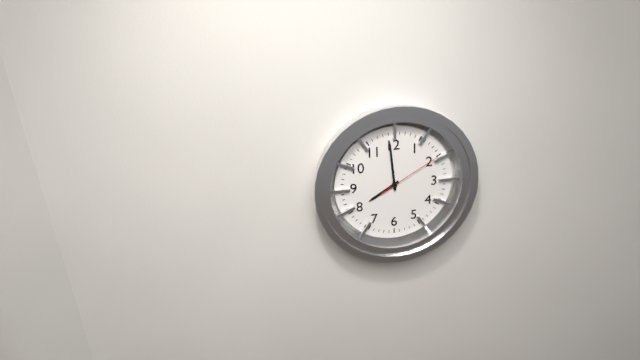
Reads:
{"hour": 7, "minute": 59, "second": 10}
